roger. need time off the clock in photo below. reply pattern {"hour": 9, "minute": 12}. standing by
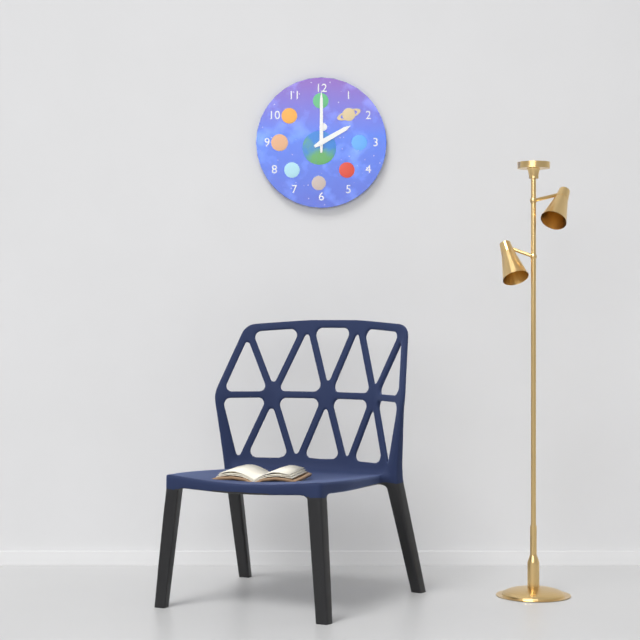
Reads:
{"hour": 2, "minute": 0}
